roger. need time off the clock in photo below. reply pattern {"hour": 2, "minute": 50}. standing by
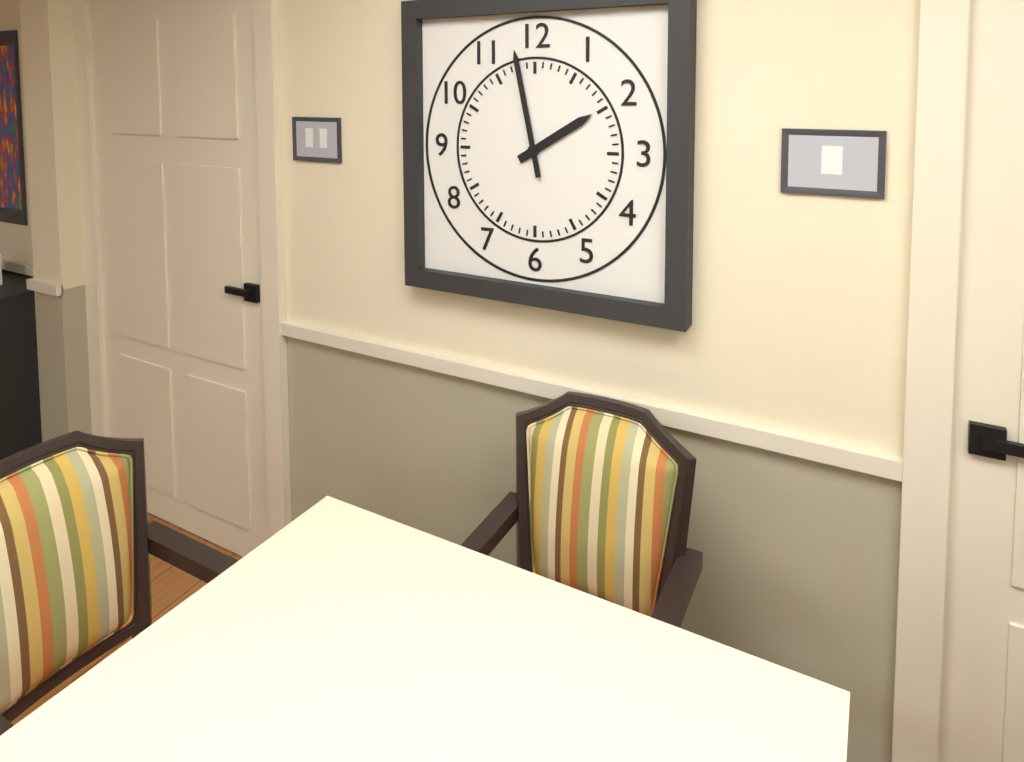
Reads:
{"hour": 1, "minute": 58}
